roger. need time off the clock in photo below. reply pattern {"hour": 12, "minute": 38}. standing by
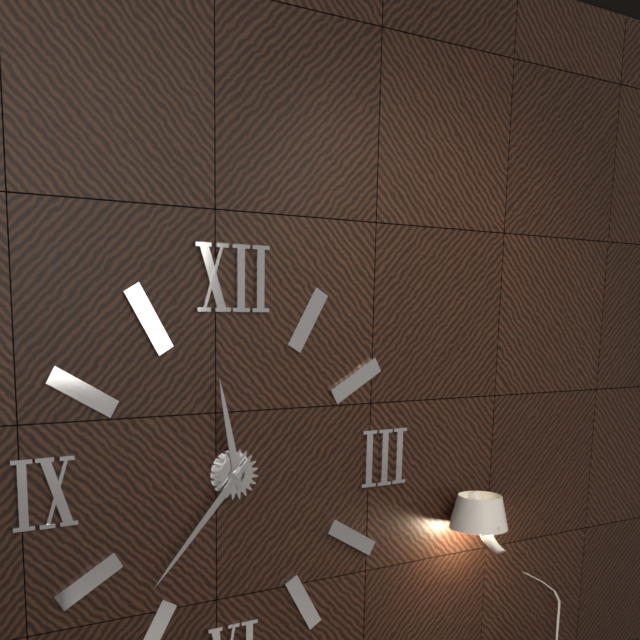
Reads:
{"hour": 11, "minute": 37}
